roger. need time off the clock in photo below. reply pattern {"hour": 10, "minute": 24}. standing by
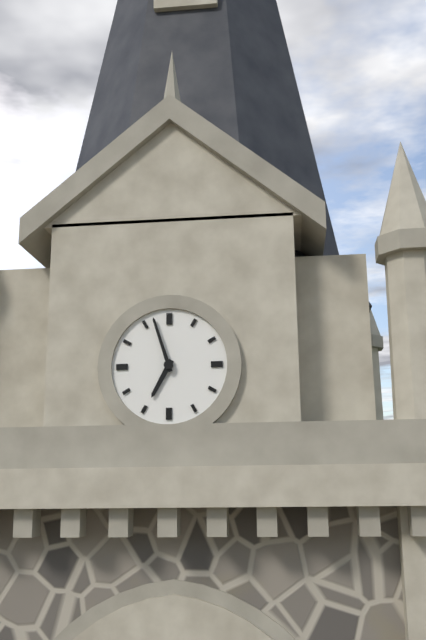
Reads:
{"hour": 6, "minute": 57}
